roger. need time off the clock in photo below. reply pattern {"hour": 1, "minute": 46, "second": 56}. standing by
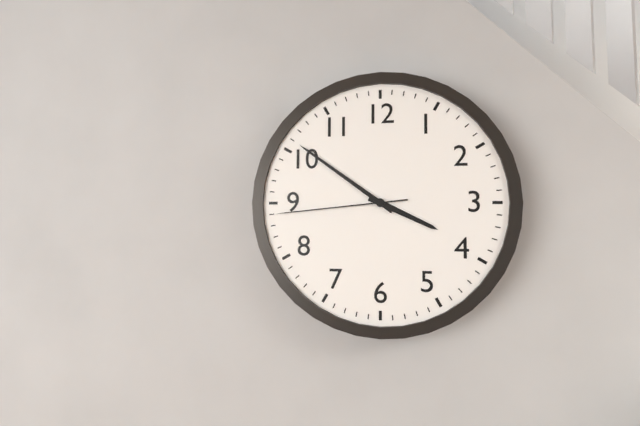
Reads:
{"hour": 3, "minute": 51, "second": 44}
